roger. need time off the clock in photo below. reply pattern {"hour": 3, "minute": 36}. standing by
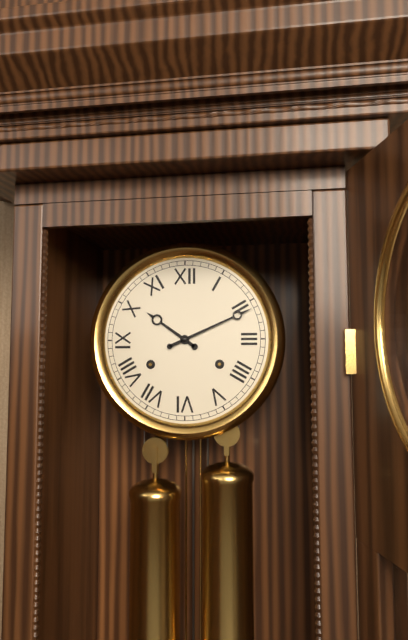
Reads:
{"hour": 10, "minute": 11}
